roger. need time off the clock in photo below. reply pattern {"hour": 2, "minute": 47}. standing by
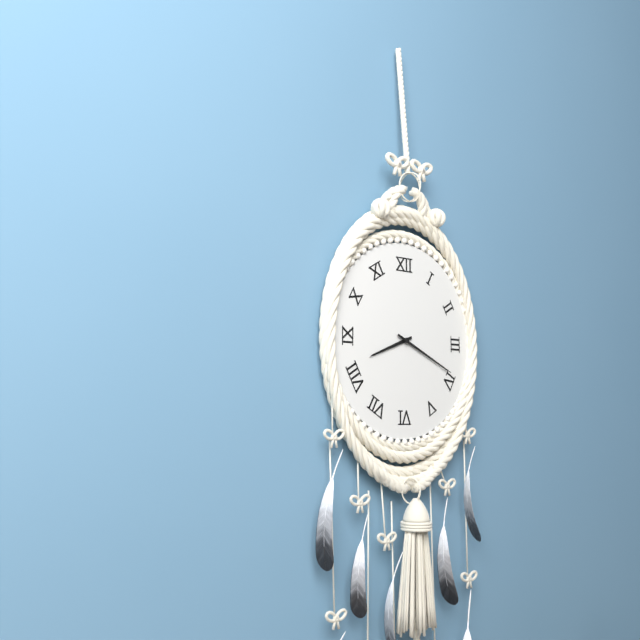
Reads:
{"hour": 8, "minute": 19}
